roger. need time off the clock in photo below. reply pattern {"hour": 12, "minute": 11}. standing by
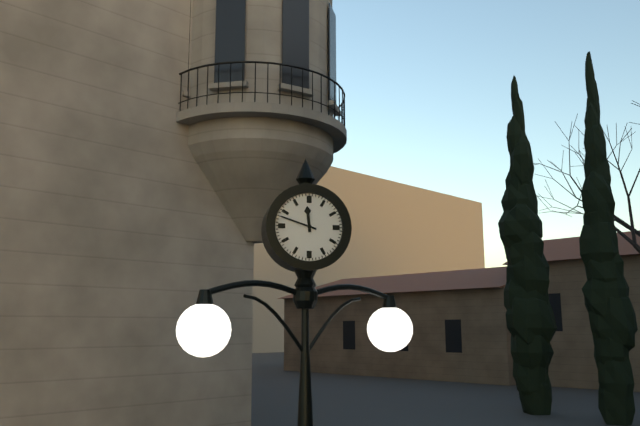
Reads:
{"hour": 11, "minute": 48}
